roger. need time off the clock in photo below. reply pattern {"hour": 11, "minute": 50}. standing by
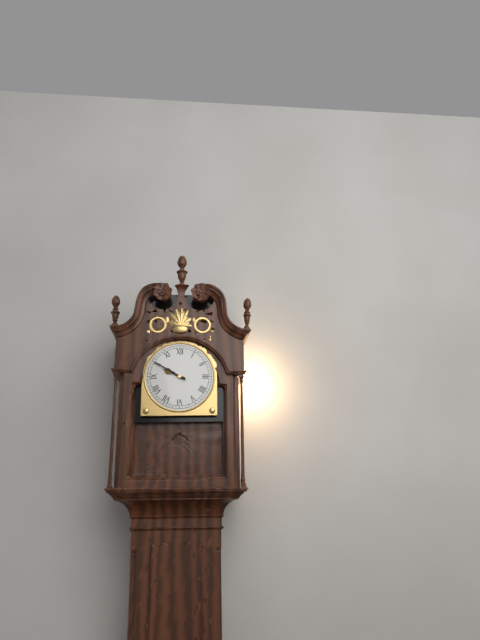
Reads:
{"hour": 9, "minute": 50}
